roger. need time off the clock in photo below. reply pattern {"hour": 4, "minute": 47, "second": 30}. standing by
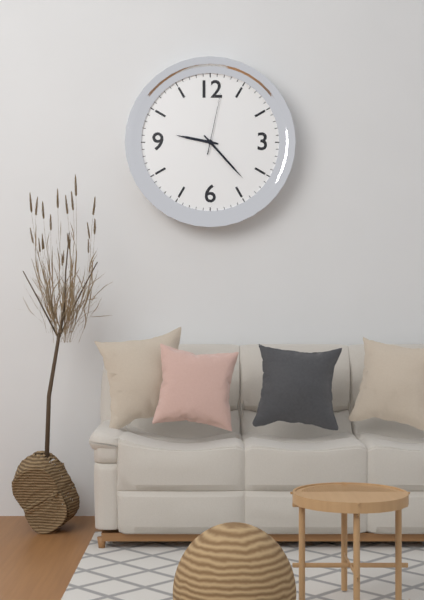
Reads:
{"hour": 9, "minute": 23, "second": 2}
